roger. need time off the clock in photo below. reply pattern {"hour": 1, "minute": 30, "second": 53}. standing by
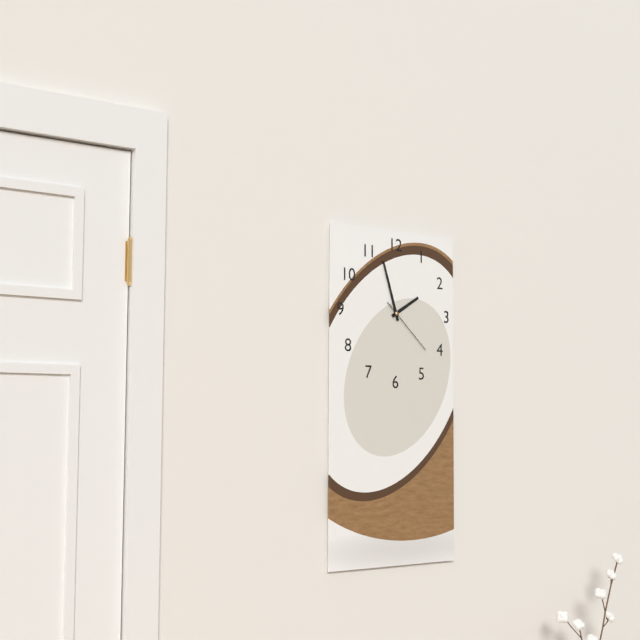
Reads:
{"hour": 1, "minute": 57, "second": 22}
